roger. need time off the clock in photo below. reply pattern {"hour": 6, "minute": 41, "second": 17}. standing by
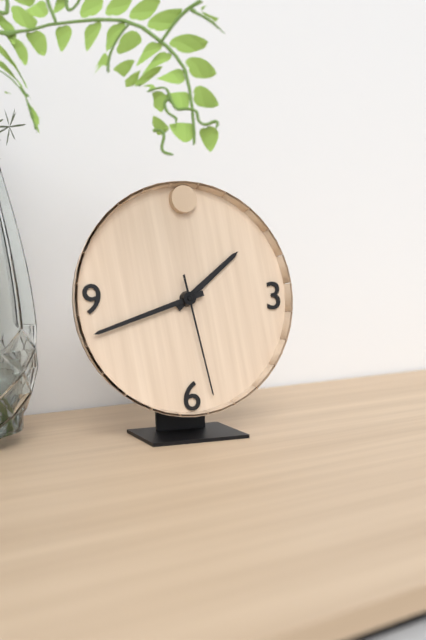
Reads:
{"hour": 1, "minute": 42, "second": 28}
